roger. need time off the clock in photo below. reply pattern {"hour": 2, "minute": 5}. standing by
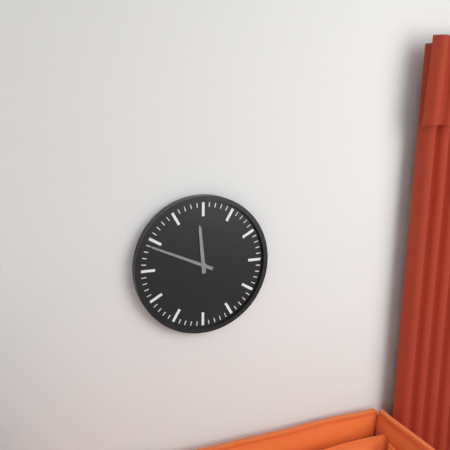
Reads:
{"hour": 11, "minute": 49}
